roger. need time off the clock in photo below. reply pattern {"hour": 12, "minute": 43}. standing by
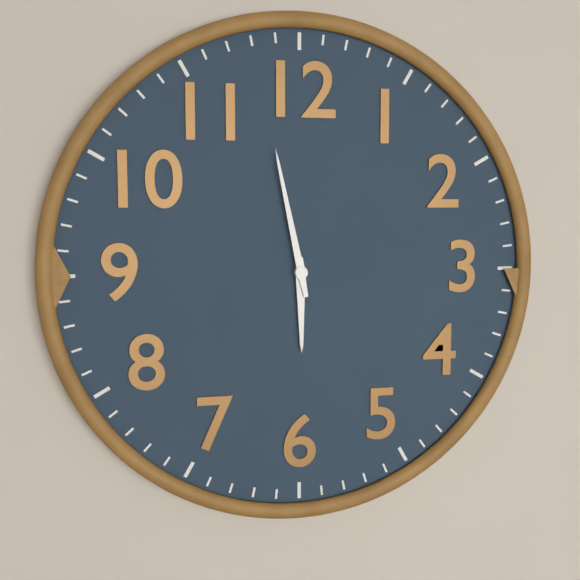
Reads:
{"hour": 5, "minute": 58}
